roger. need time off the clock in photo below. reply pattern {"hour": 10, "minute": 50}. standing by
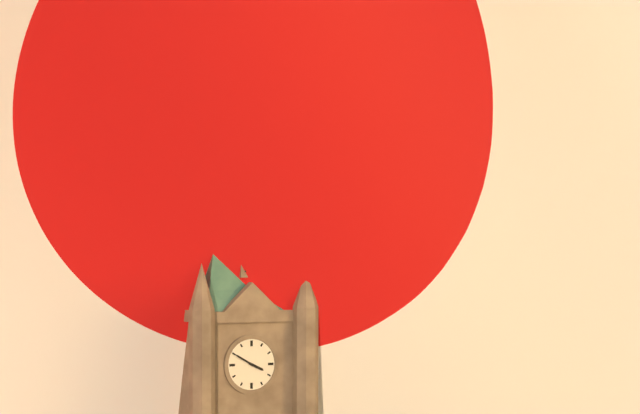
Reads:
{"hour": 3, "minute": 50}
